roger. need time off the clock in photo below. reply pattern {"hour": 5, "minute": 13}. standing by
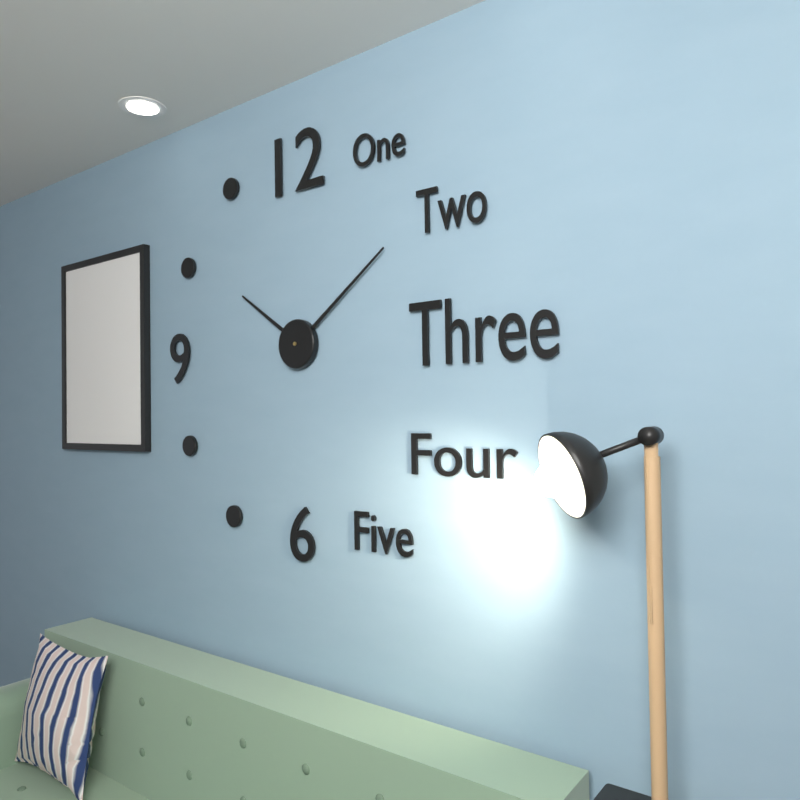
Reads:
{"hour": 10, "minute": 9}
